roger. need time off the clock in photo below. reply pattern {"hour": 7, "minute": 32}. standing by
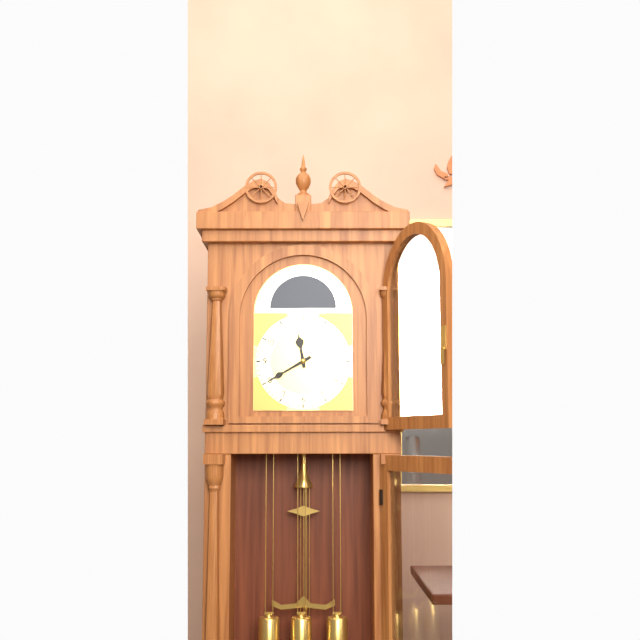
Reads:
{"hour": 11, "minute": 40}
